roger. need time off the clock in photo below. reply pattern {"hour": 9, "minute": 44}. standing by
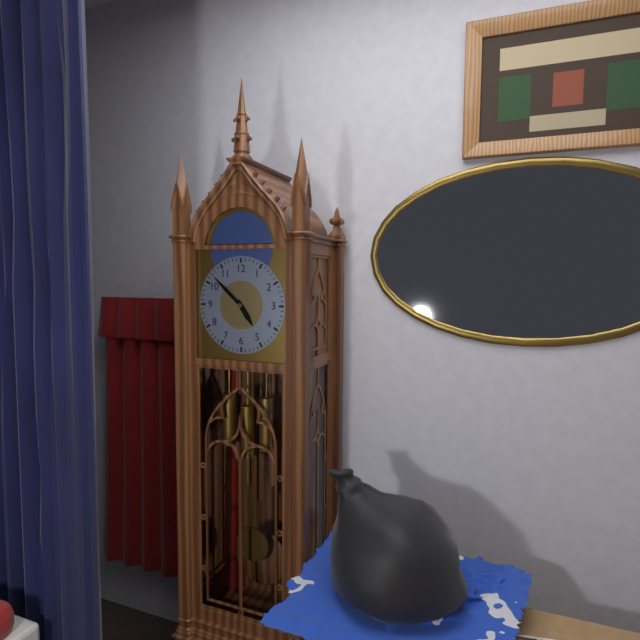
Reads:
{"hour": 4, "minute": 52}
